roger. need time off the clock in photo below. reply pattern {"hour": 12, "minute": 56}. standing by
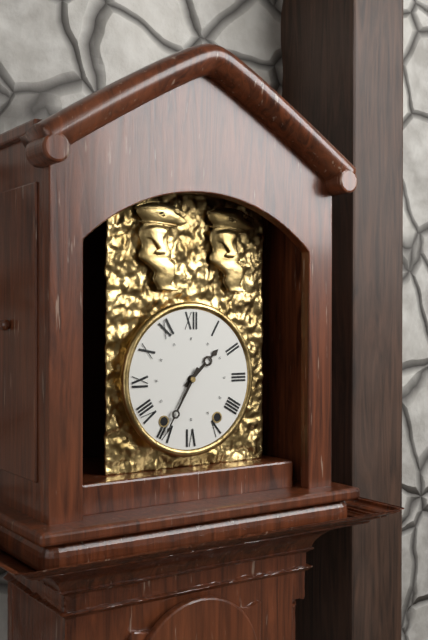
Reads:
{"hour": 1, "minute": 35}
